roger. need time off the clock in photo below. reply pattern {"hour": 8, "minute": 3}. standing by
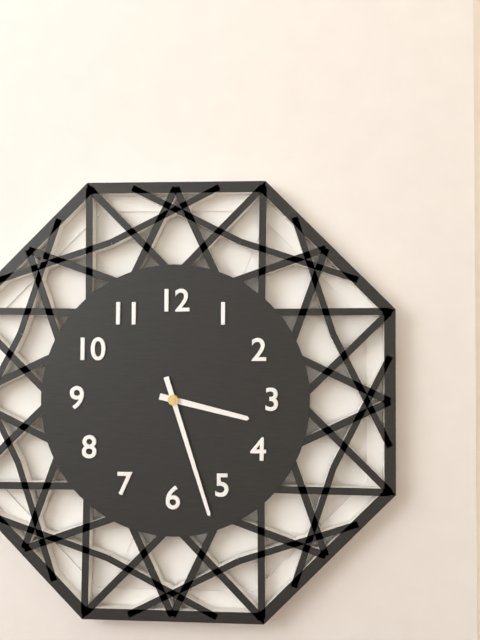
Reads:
{"hour": 3, "minute": 27}
